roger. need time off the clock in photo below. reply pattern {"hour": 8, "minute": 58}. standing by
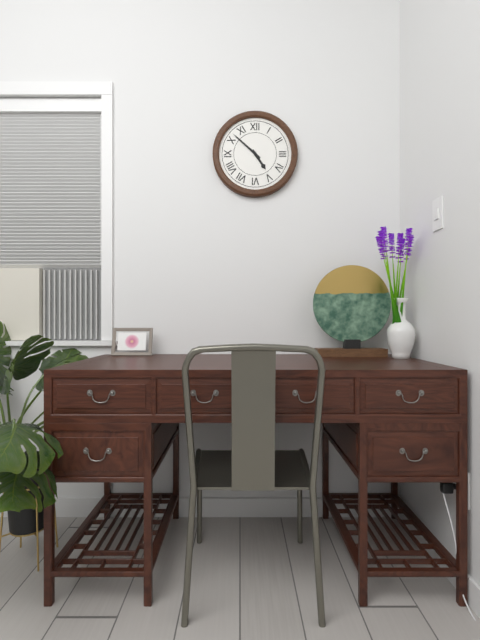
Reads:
{"hour": 4, "minute": 52}
